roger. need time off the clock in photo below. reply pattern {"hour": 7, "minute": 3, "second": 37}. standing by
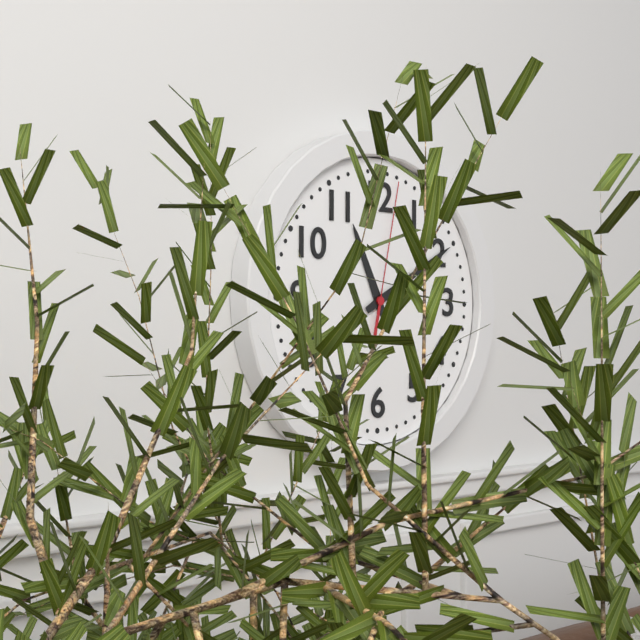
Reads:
{"hour": 11, "minute": 10, "second": 2}
